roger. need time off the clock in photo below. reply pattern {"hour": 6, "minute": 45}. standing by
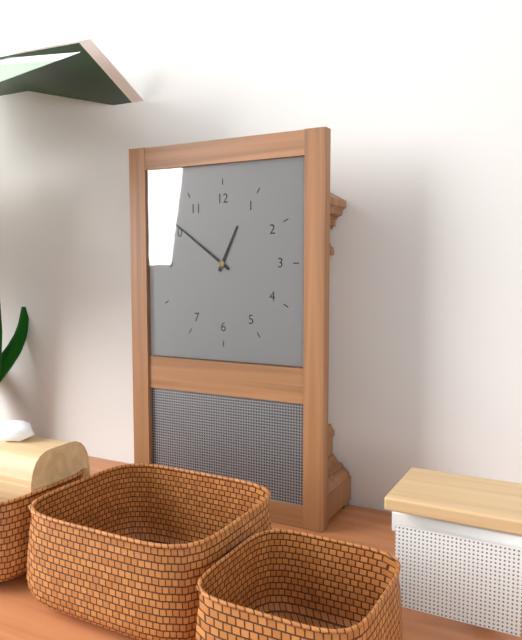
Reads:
{"hour": 12, "minute": 51}
